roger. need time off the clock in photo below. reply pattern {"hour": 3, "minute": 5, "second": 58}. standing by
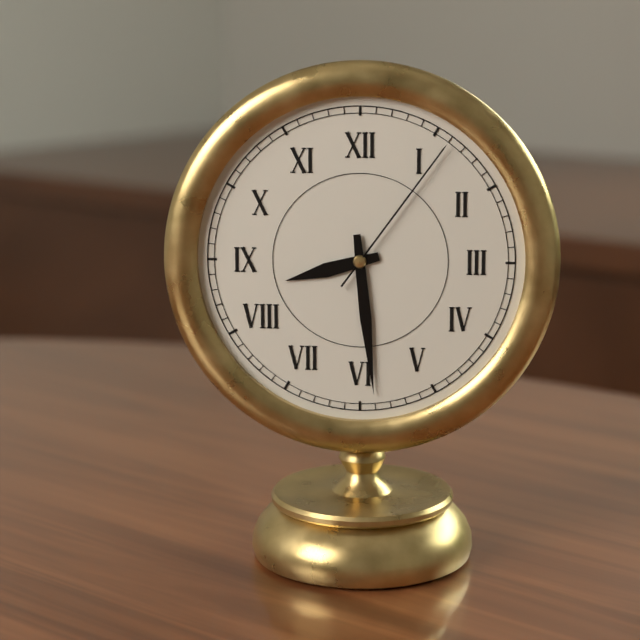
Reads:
{"hour": 8, "minute": 29, "second": 6}
